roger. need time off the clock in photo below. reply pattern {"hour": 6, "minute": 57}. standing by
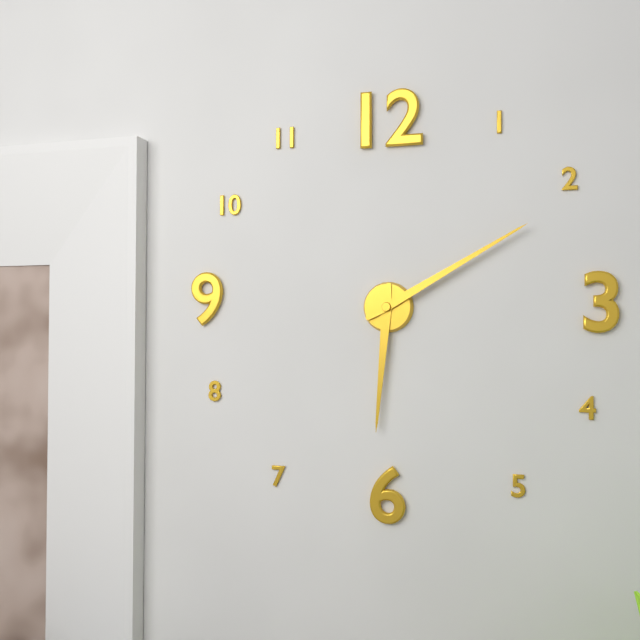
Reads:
{"hour": 6, "minute": 10}
